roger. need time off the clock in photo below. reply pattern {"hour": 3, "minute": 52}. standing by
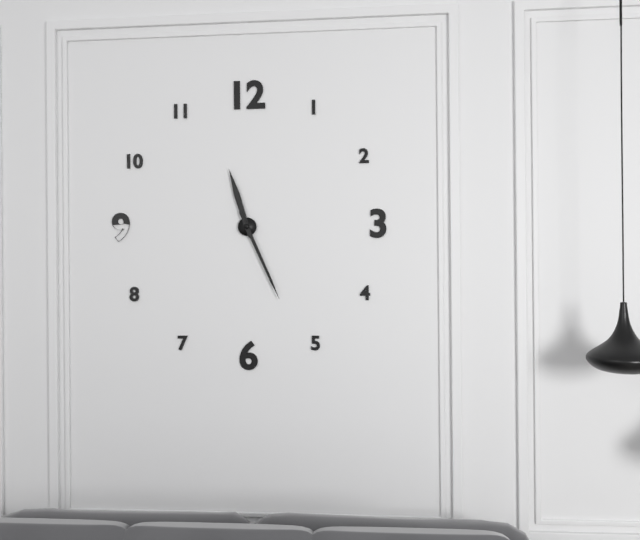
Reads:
{"hour": 11, "minute": 26}
